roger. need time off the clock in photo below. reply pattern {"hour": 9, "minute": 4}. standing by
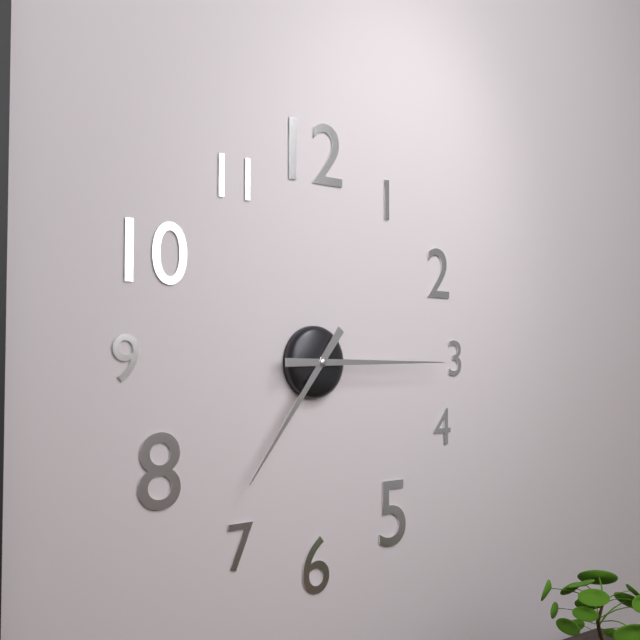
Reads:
{"hour": 7, "minute": 15}
